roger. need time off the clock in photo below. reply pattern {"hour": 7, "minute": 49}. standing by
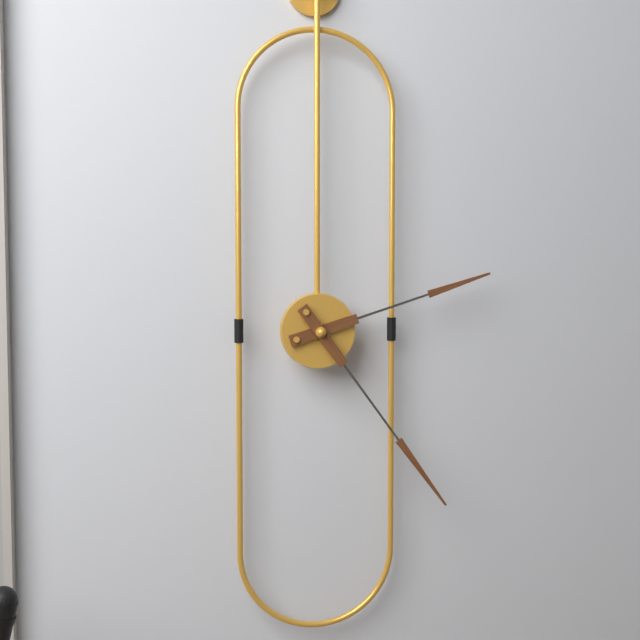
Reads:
{"hour": 2, "minute": 24}
